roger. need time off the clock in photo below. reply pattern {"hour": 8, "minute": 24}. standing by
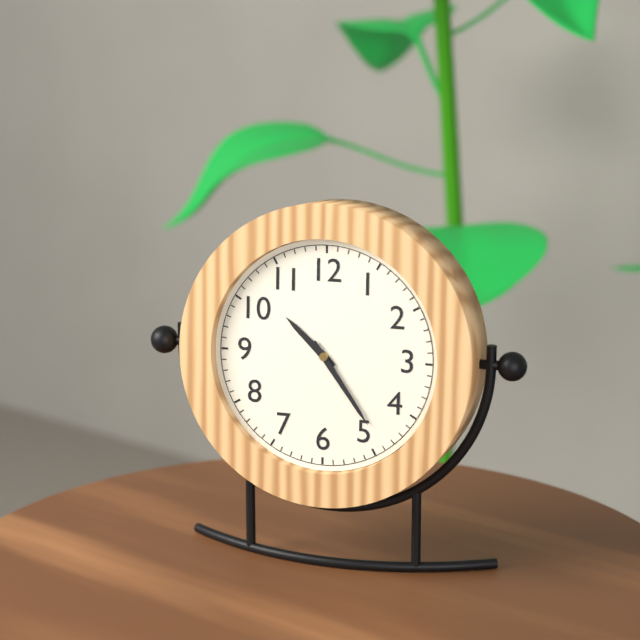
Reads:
{"hour": 10, "minute": 24}
